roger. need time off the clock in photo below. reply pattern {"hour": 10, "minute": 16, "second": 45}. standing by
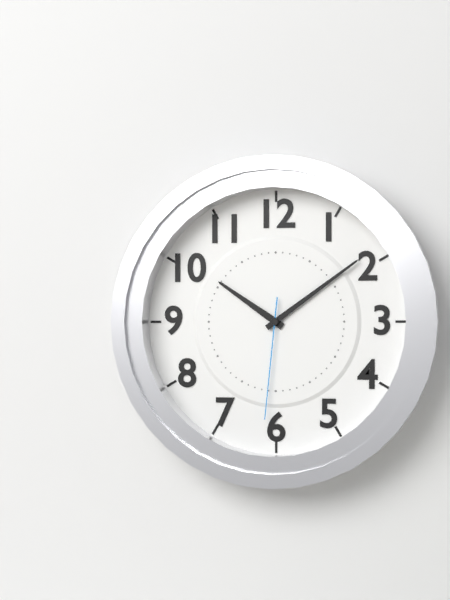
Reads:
{"hour": 10, "minute": 9, "second": 31}
